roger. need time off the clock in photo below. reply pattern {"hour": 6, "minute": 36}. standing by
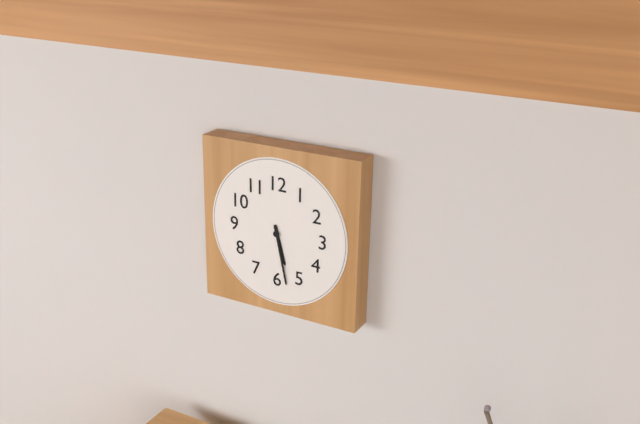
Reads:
{"hour": 5, "minute": 28}
